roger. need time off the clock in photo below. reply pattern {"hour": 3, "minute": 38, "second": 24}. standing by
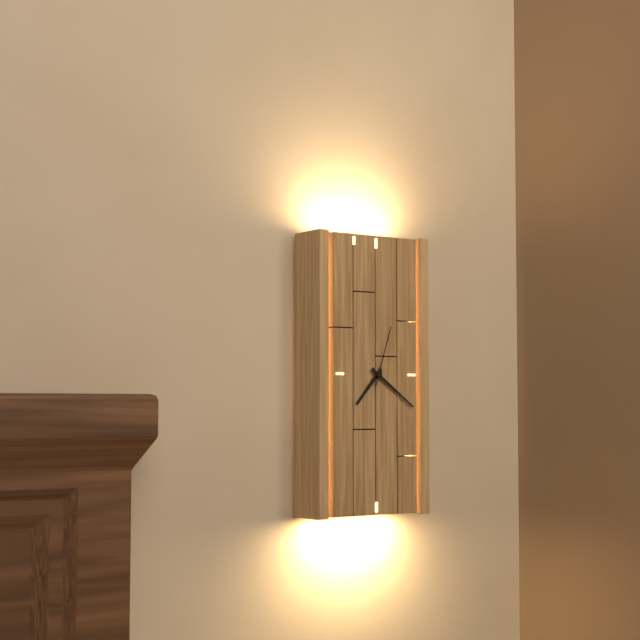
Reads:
{"hour": 7, "minute": 21, "second": 3}
